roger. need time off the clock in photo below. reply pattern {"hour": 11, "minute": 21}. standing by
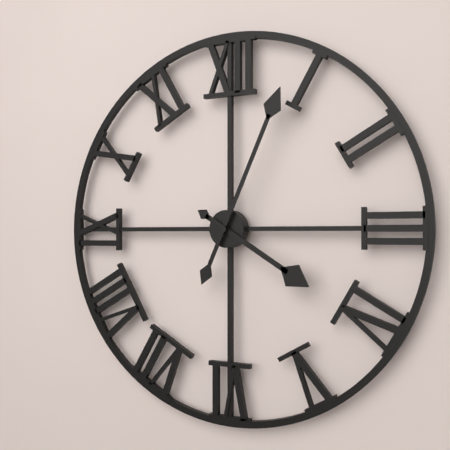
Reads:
{"hour": 4, "minute": 4}
